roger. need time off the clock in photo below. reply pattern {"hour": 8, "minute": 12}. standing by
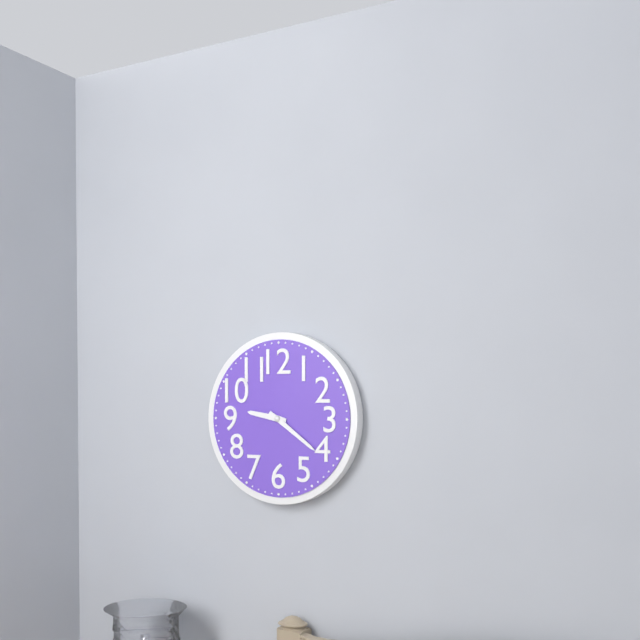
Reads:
{"hour": 9, "minute": 21}
